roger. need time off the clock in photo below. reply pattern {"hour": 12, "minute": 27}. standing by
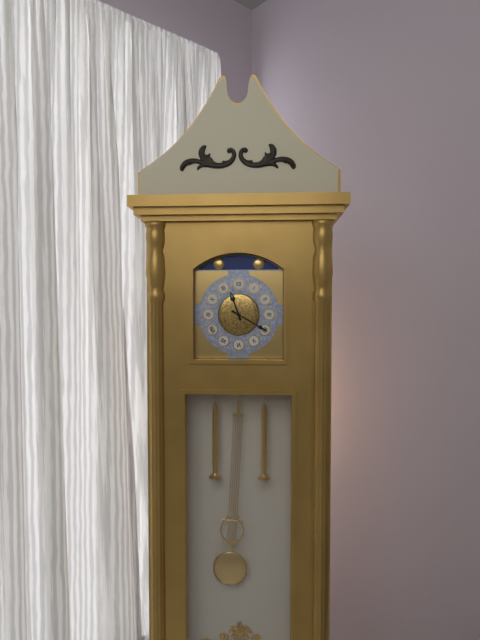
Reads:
{"hour": 11, "minute": 20}
